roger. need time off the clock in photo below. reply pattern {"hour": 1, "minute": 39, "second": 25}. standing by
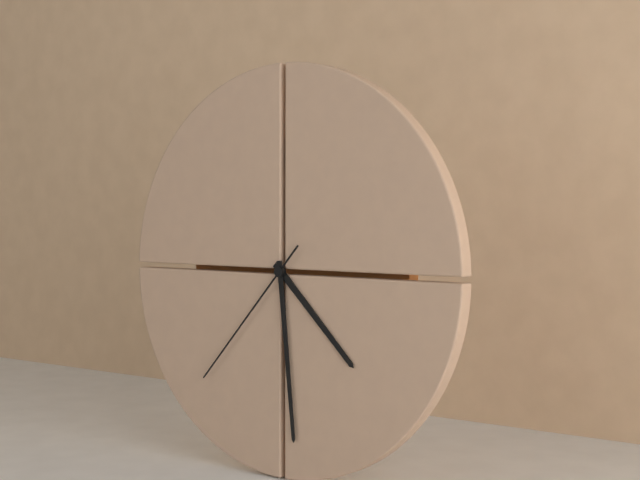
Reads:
{"hour": 4, "minute": 29, "second": 37}
